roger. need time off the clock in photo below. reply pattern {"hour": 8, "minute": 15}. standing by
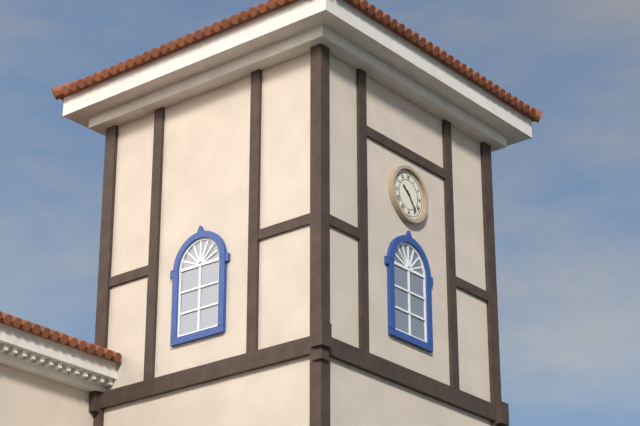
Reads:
{"hour": 10, "minute": 24}
